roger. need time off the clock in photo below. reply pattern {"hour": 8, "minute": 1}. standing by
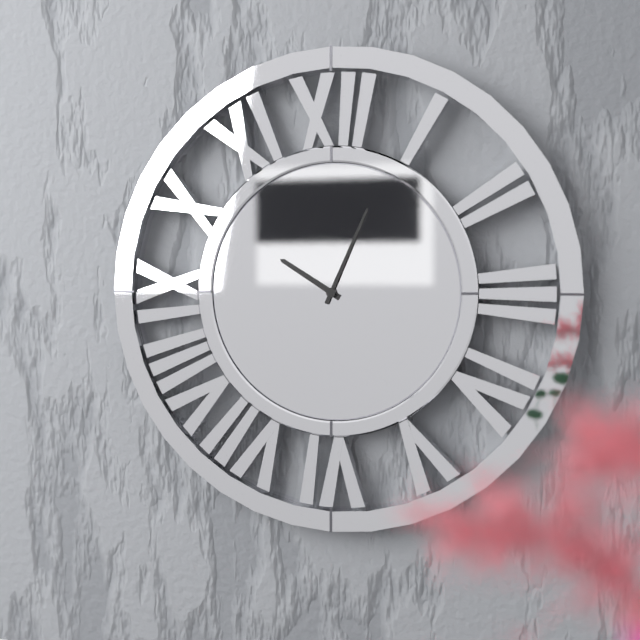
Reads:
{"hour": 10, "minute": 4}
